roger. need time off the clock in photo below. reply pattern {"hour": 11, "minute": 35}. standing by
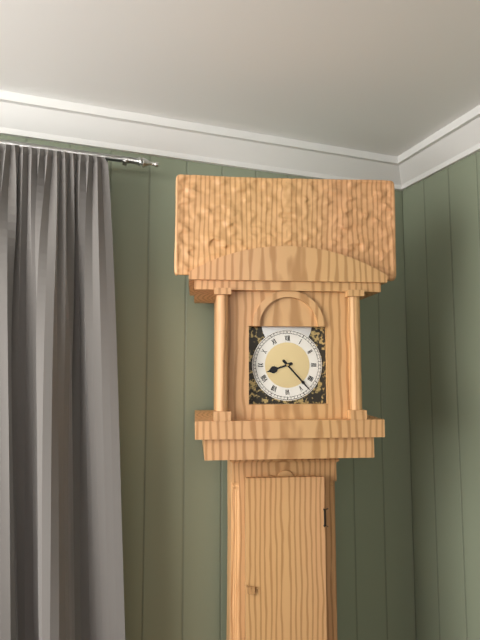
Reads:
{"hour": 8, "minute": 23}
